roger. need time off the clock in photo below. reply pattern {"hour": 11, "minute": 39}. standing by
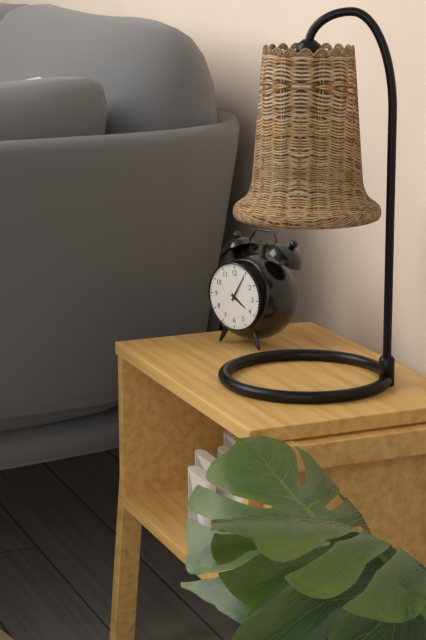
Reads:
{"hour": 4, "minute": 5}
